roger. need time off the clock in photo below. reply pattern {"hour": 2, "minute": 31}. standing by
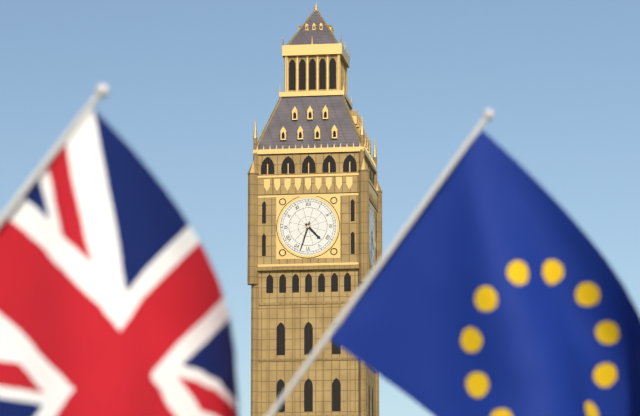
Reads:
{"hour": 4, "minute": 33}
